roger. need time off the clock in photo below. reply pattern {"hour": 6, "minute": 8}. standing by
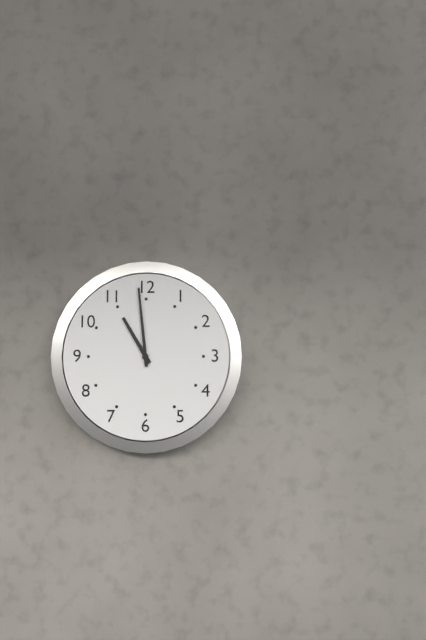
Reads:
{"hour": 10, "minute": 59}
